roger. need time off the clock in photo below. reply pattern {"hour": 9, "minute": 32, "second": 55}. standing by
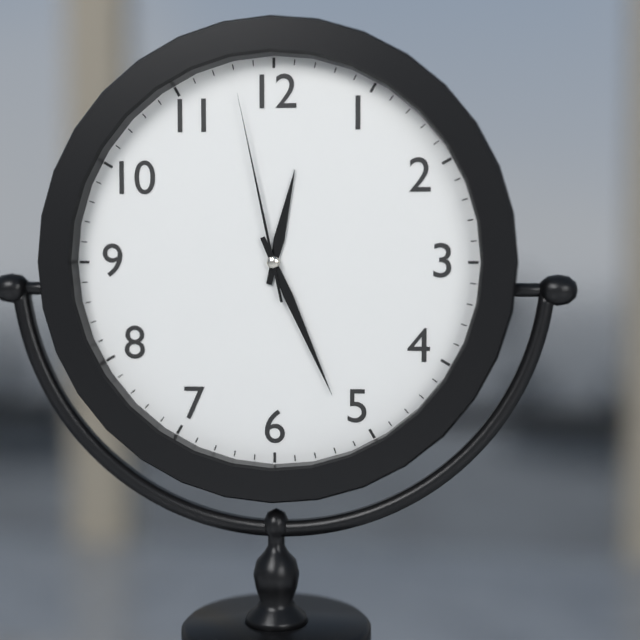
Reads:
{"hour": 12, "minute": 26, "second": 58}
